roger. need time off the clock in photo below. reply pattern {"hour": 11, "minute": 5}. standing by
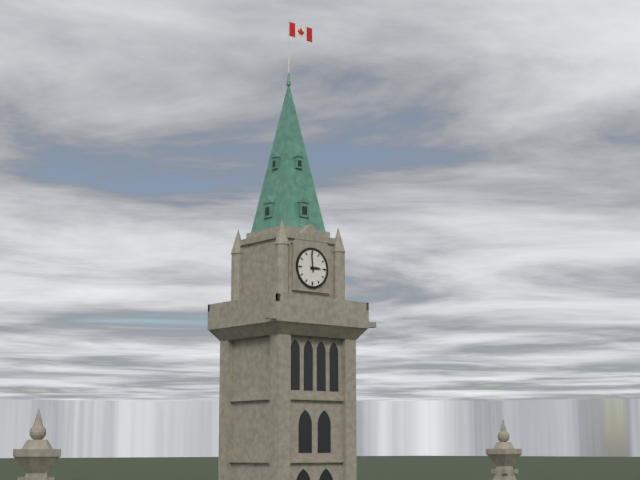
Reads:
{"hour": 2, "minute": 59}
